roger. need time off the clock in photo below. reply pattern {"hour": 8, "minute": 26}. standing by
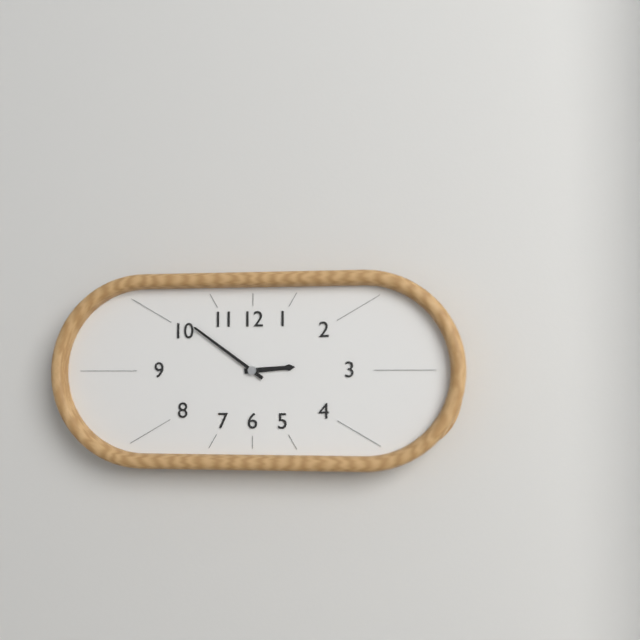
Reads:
{"hour": 2, "minute": 51}
